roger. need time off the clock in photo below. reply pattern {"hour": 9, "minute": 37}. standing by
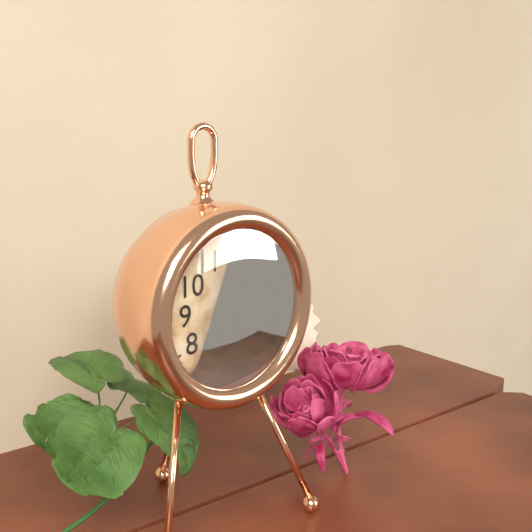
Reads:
{"hour": 12, "minute": 7}
